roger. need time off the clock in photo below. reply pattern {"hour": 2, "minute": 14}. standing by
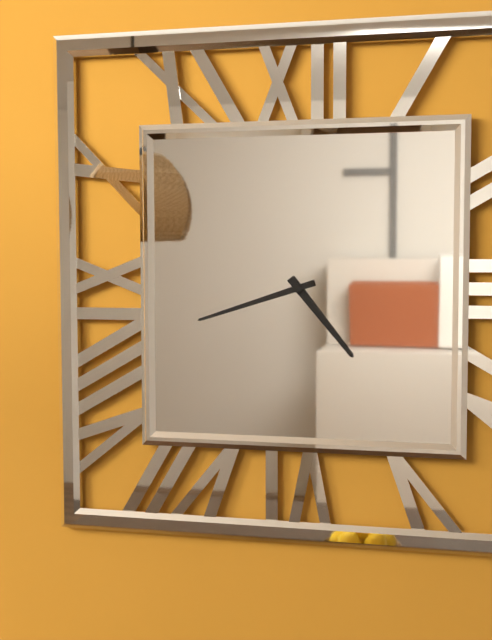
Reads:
{"hour": 4, "minute": 42}
